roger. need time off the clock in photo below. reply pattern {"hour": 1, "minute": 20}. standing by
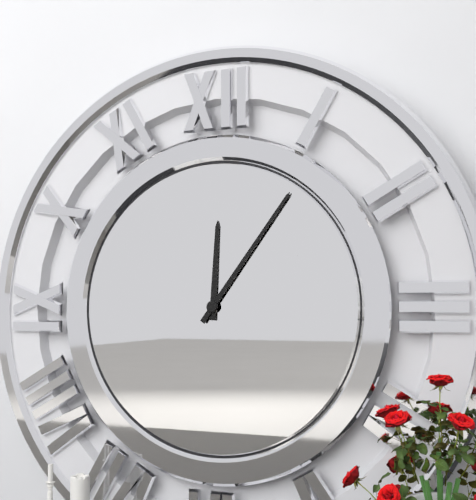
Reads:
{"hour": 12, "minute": 6}
